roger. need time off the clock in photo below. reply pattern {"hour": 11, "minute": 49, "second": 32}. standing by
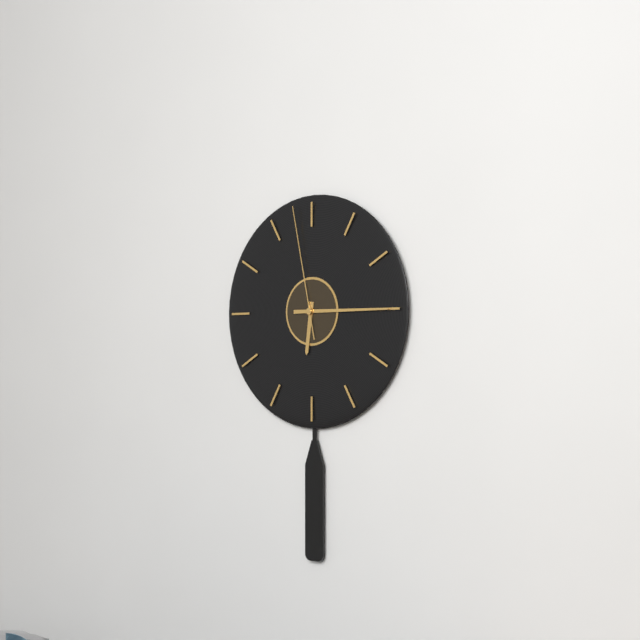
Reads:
{"hour": 6, "minute": 15, "second": 58}
